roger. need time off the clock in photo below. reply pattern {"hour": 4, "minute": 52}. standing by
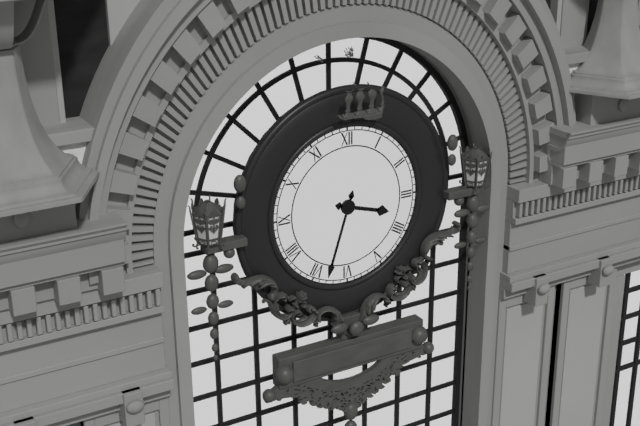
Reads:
{"hour": 3, "minute": 33}
